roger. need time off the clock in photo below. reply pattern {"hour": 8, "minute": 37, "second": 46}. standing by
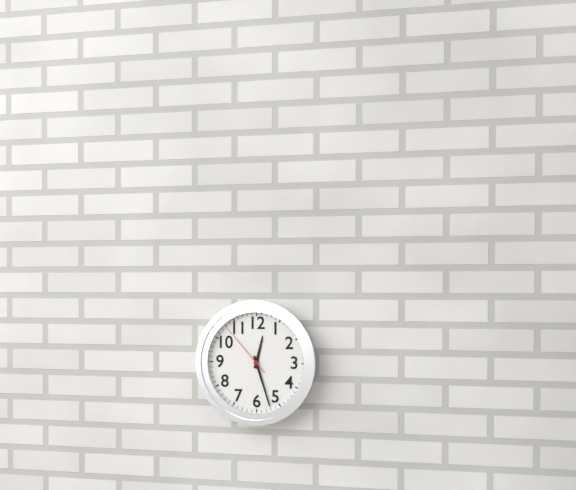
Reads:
{"hour": 12, "minute": 27, "second": 53}
